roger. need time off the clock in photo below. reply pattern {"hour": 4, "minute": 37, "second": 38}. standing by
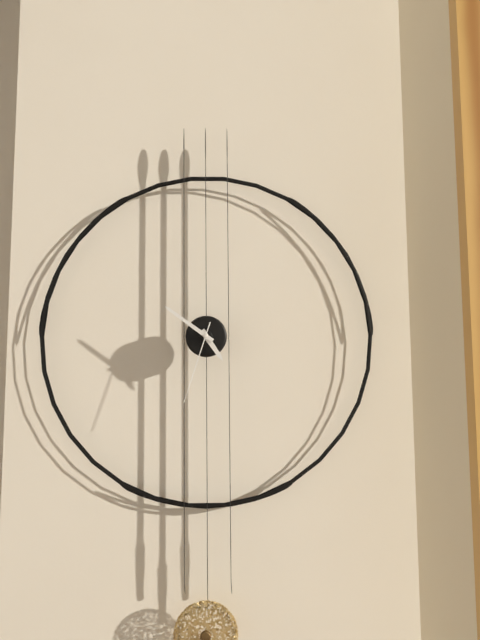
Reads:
{"hour": 4, "minute": 51, "second": 33}
